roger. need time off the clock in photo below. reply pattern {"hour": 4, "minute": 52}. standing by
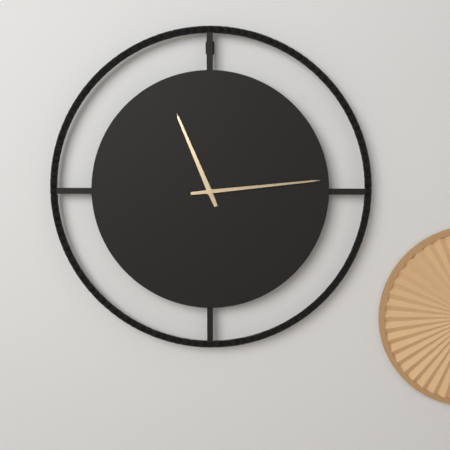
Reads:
{"hour": 11, "minute": 14}
